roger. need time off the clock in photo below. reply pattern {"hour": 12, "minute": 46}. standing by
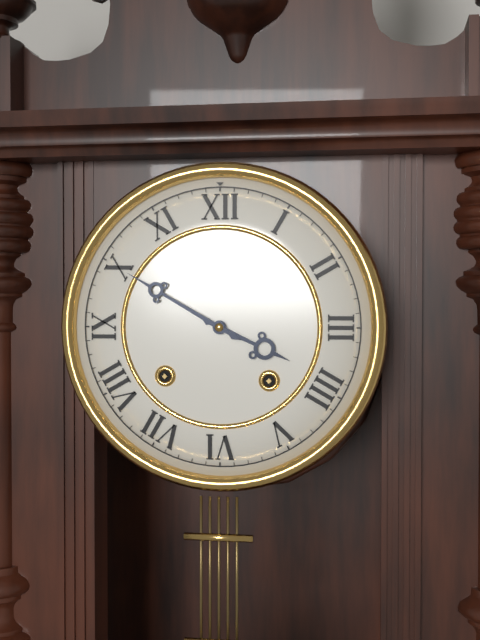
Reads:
{"hour": 3, "minute": 50}
